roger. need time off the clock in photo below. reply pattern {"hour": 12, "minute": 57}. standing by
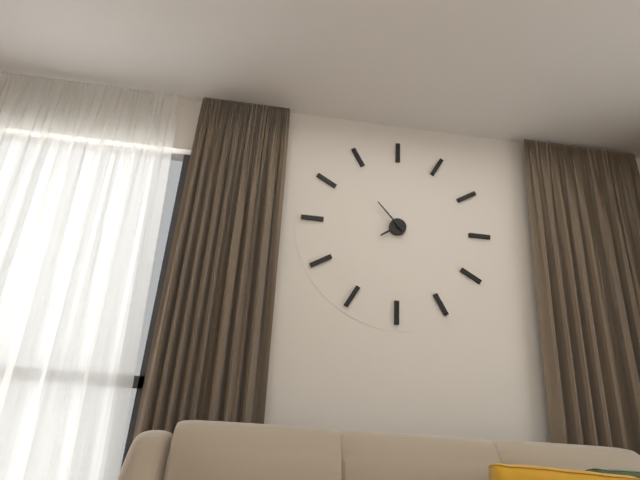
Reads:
{"hour": 7, "minute": 53}
